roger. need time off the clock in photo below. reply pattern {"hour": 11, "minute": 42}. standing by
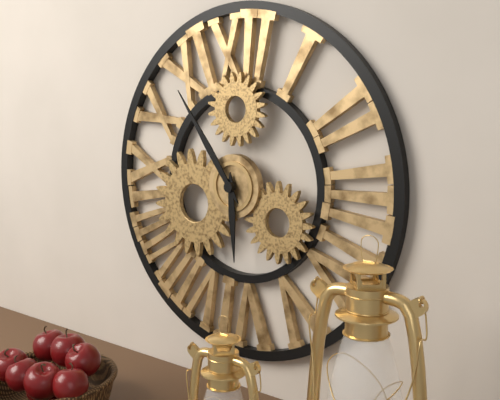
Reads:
{"hour": 5, "minute": 54}
